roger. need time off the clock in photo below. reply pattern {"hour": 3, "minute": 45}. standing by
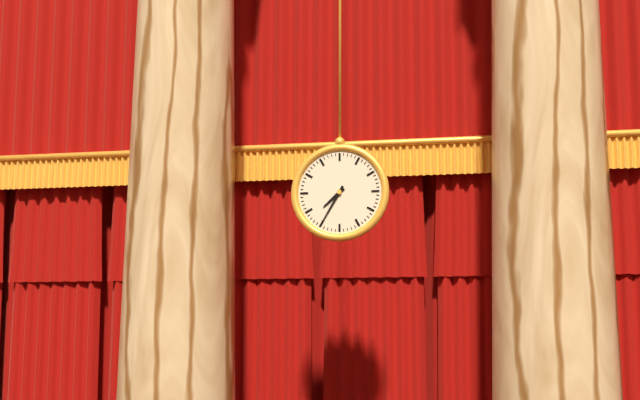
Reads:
{"hour": 7, "minute": 35}
